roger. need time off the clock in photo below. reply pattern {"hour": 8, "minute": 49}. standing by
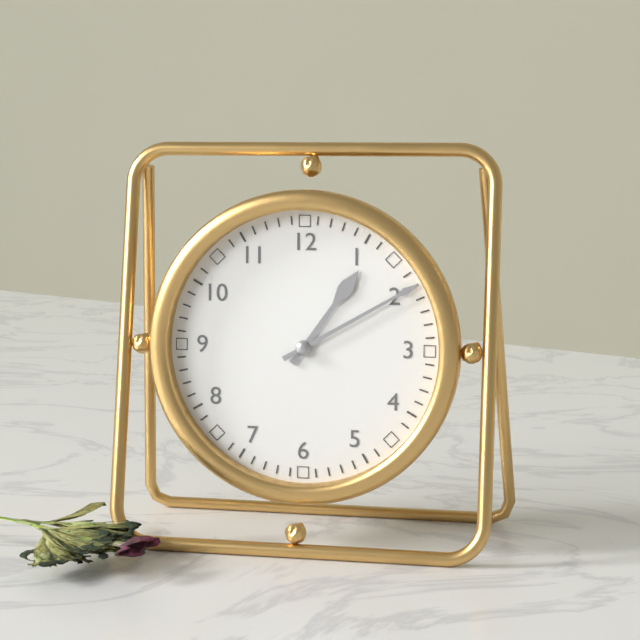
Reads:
{"hour": 1, "minute": 10}
